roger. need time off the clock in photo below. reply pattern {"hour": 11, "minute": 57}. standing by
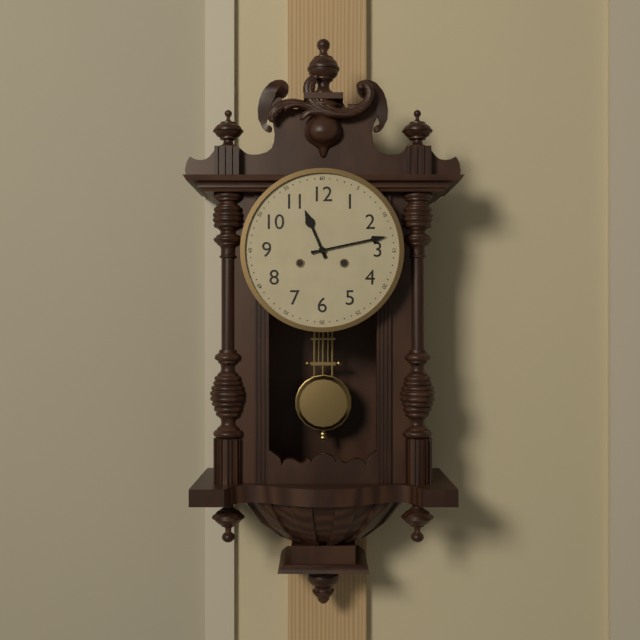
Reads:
{"hour": 11, "minute": 13}
